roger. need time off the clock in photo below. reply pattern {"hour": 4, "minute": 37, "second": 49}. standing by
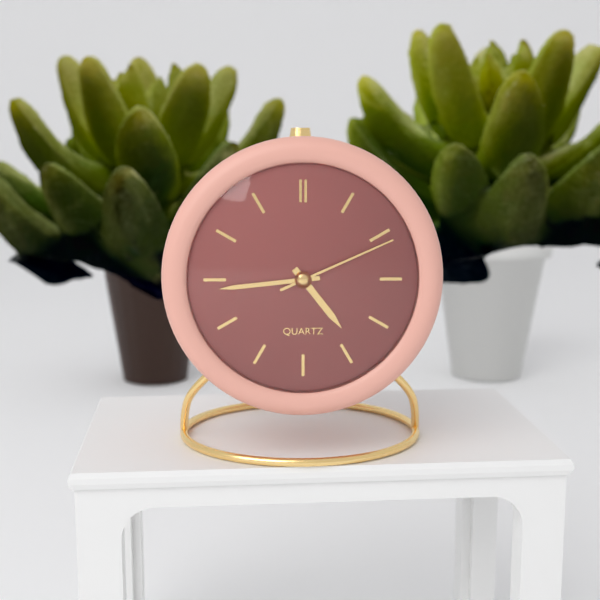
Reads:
{"hour": 4, "minute": 44, "second": 11}
